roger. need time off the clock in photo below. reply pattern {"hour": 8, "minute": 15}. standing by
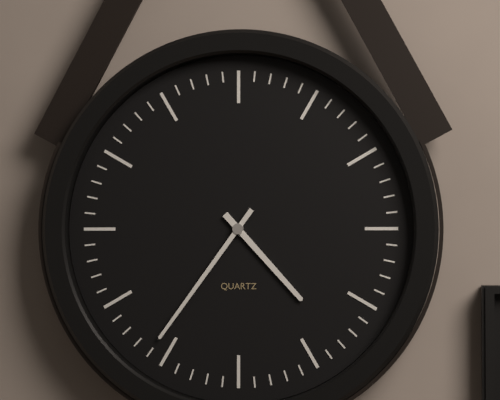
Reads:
{"hour": 4, "minute": 36}
